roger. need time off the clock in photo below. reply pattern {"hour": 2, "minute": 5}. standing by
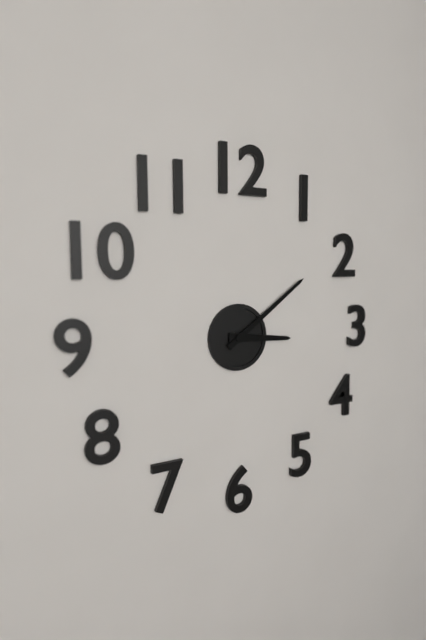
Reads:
{"hour": 3, "minute": 9}
